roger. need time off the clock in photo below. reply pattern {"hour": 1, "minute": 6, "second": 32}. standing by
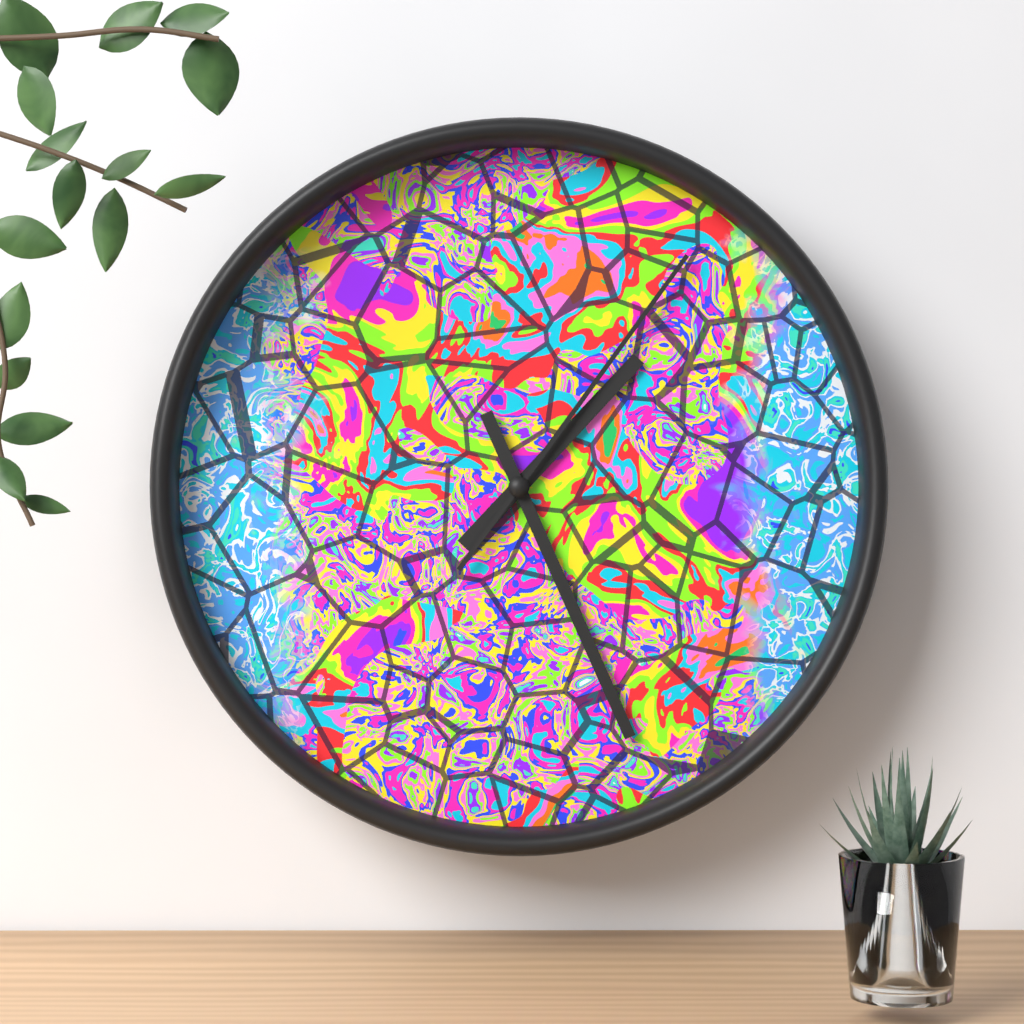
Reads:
{"hour": 1, "minute": 26, "second": 6}
